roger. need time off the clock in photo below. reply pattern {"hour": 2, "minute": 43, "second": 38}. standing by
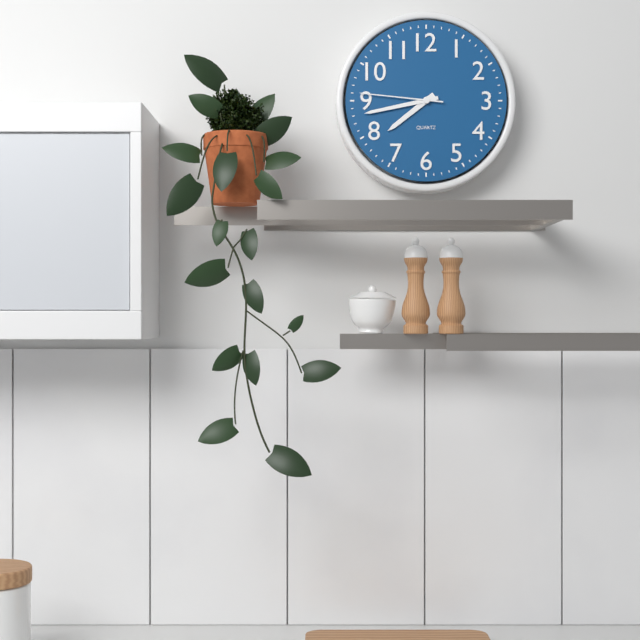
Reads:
{"hour": 7, "minute": 43, "second": 46}
